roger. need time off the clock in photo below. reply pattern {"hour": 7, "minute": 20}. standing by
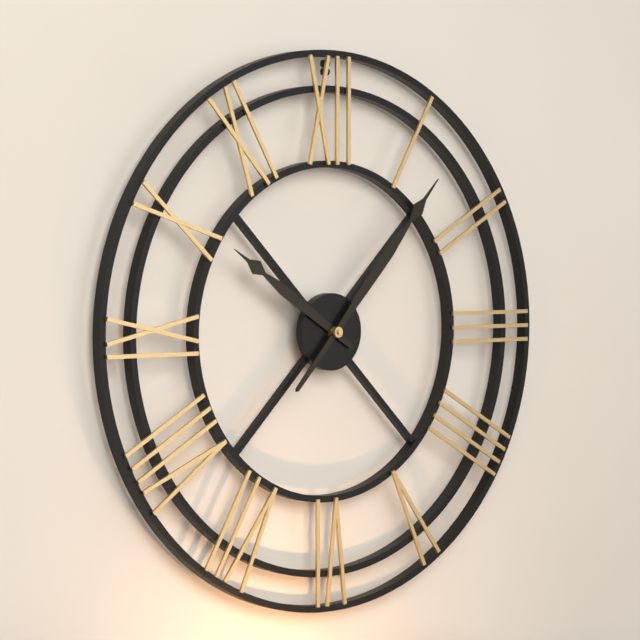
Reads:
{"hour": 10, "minute": 7}
